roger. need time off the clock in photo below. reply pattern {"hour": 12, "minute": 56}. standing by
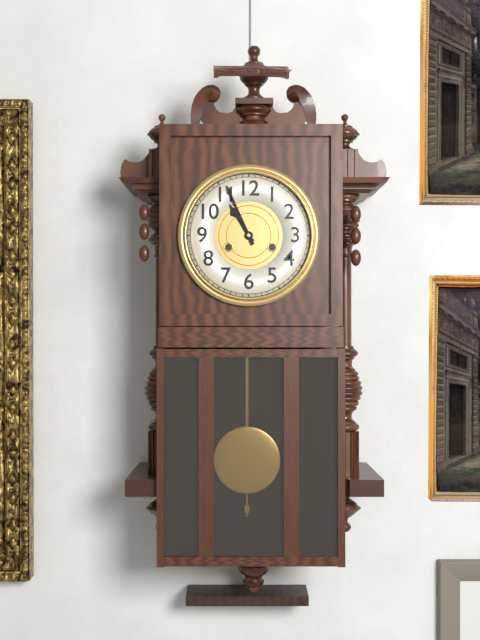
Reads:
{"hour": 10, "minute": 56}
